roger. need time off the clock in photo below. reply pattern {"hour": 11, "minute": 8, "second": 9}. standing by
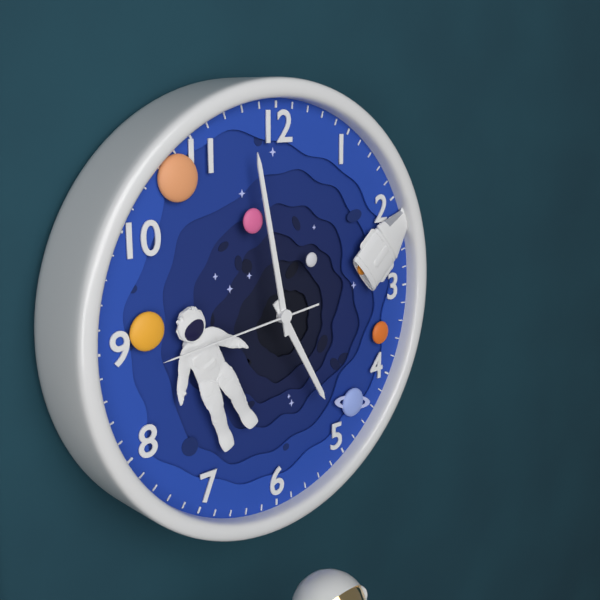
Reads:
{"hour": 4, "minute": 58, "second": 44}
